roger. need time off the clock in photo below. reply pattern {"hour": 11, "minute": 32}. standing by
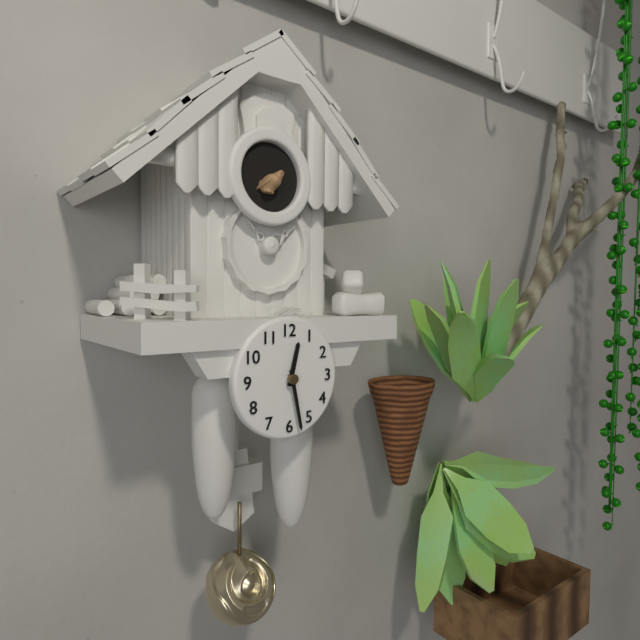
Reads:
{"hour": 12, "minute": 28}
